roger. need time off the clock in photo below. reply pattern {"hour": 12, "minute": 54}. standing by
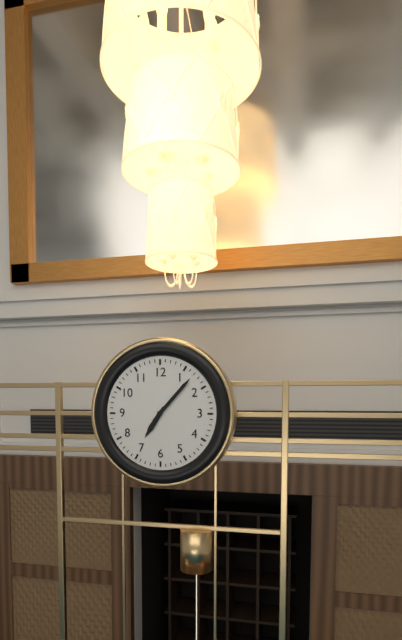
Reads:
{"hour": 7, "minute": 7}
